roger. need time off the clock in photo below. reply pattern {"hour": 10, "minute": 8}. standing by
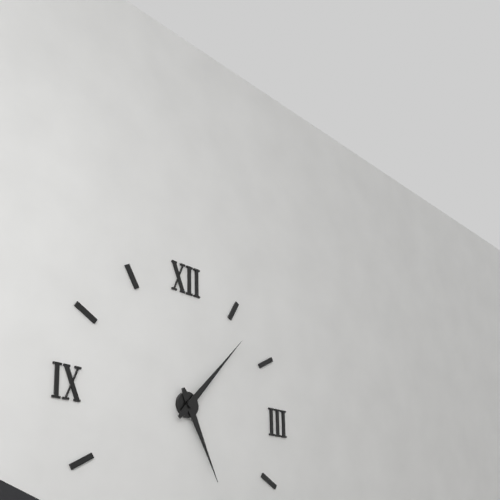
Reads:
{"hour": 5, "minute": 7}
